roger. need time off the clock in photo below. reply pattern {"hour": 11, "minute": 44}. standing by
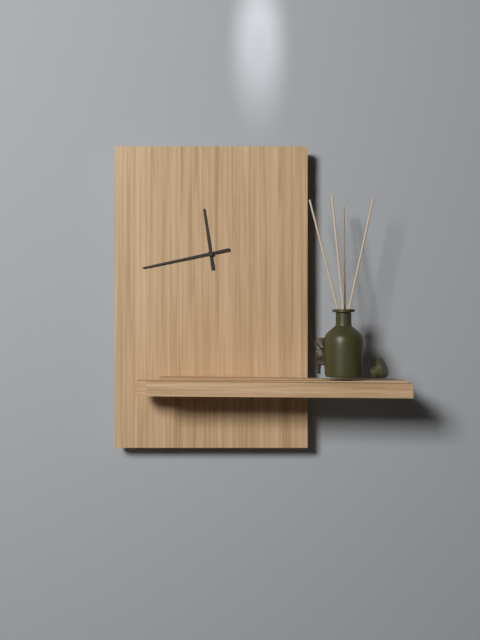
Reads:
{"hour": 11, "minute": 43}
